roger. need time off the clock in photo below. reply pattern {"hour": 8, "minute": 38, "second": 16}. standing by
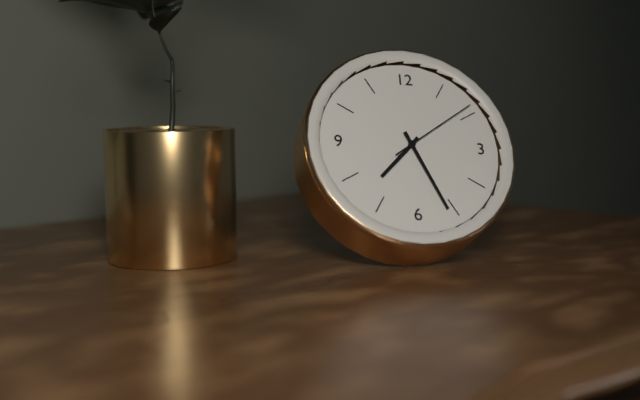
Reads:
{"hour": 7, "minute": 26, "second": 9}
